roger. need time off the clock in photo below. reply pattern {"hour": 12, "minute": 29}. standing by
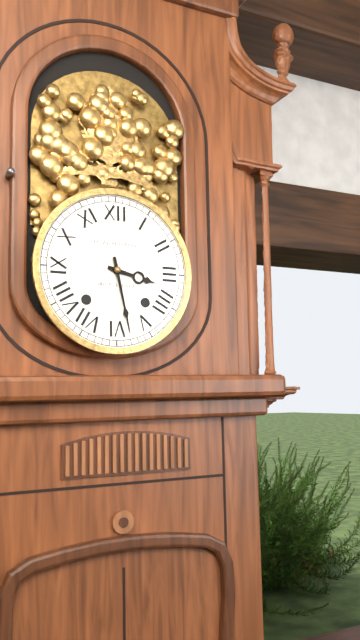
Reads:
{"hour": 3, "minute": 28}
